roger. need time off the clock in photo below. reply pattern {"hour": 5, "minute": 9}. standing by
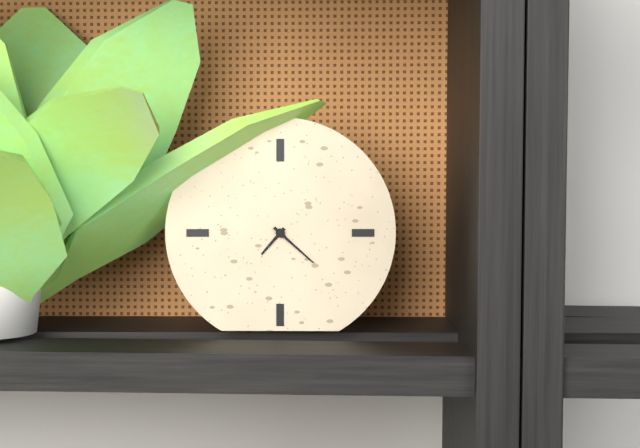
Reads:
{"hour": 7, "minute": 22}
